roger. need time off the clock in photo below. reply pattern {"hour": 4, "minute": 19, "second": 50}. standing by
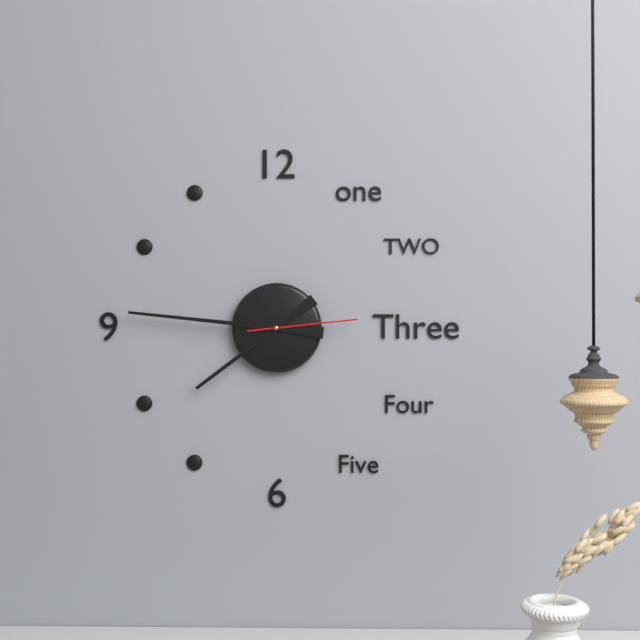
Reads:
{"hour": 7, "minute": 46, "second": 14}
